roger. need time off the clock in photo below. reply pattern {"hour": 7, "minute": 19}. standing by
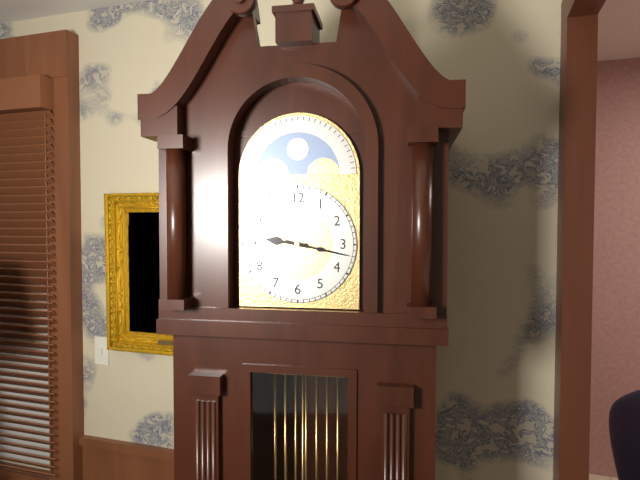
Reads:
{"hour": 9, "minute": 17}
